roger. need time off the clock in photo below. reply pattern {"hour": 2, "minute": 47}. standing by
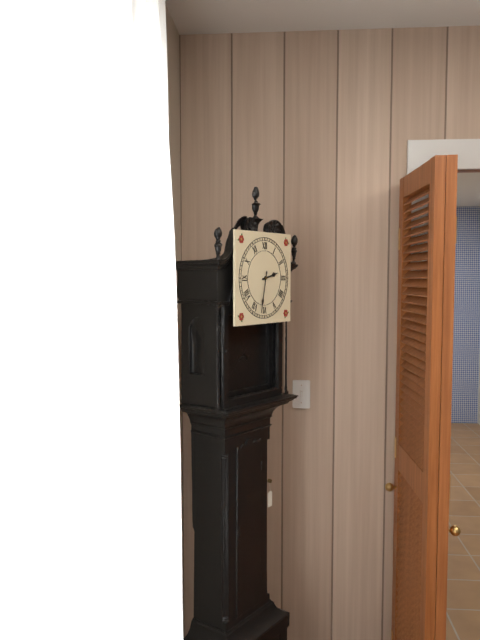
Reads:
{"hour": 2, "minute": 32}
